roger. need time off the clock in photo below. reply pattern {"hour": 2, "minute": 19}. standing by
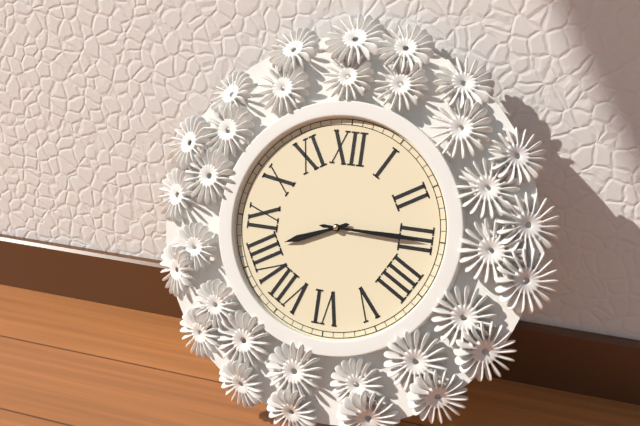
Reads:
{"hour": 8, "minute": 15}
